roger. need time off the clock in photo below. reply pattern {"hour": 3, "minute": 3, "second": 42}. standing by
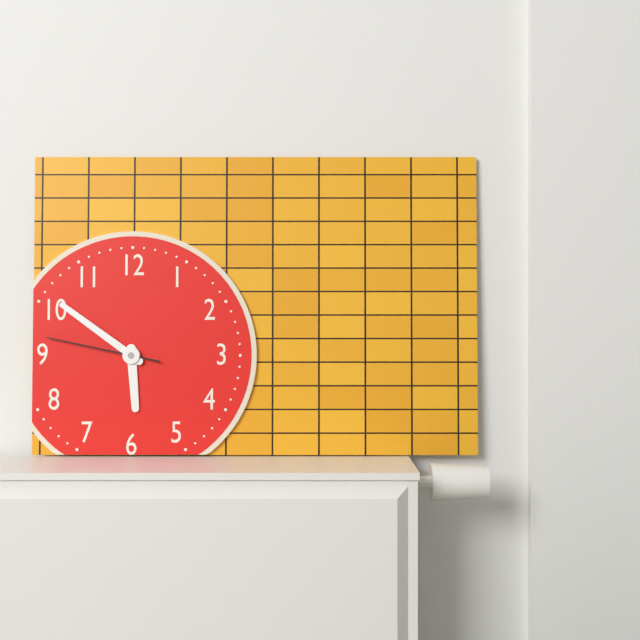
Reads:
{"hour": 5, "minute": 51, "second": 47}
